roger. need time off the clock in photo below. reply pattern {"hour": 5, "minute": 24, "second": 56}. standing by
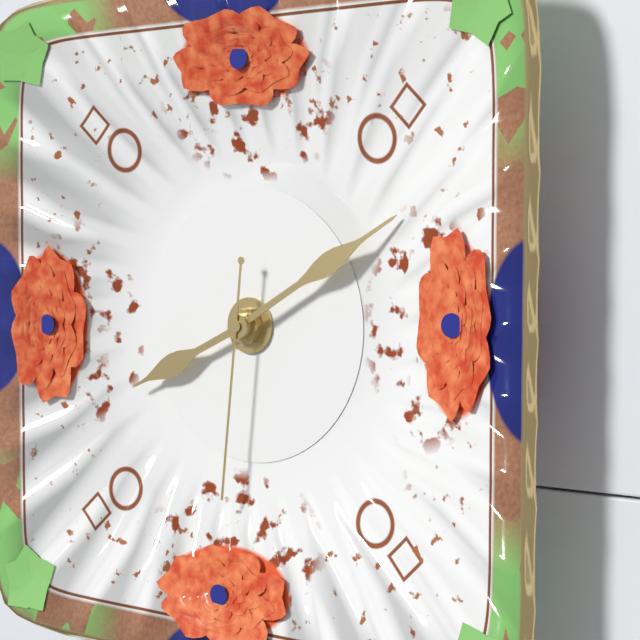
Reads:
{"hour": 8, "minute": 10, "second": 31}
